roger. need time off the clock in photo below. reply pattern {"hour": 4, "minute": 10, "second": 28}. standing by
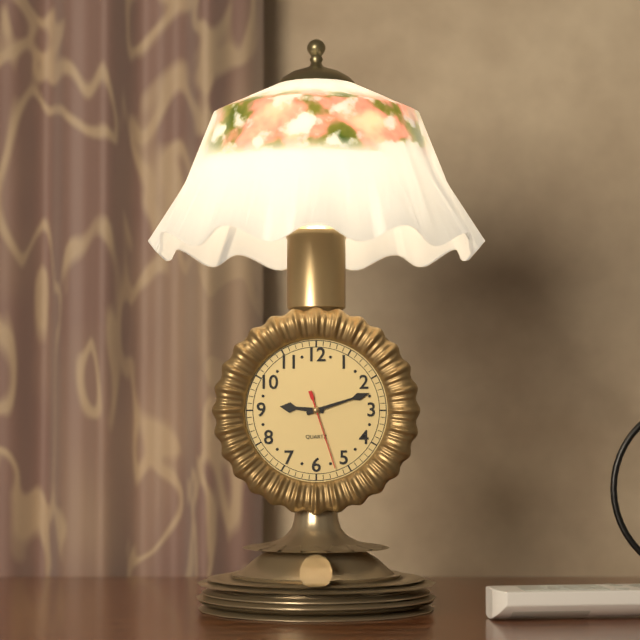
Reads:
{"hour": 9, "minute": 12, "second": 27}
